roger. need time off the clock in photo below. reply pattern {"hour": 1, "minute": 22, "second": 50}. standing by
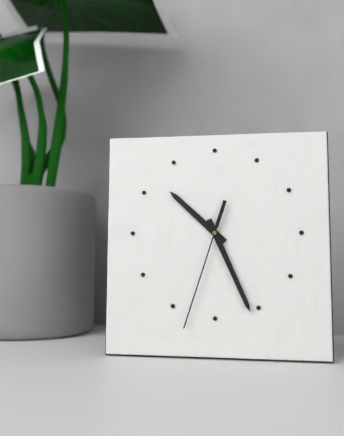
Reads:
{"hour": 10, "minute": 26, "second": 33}
